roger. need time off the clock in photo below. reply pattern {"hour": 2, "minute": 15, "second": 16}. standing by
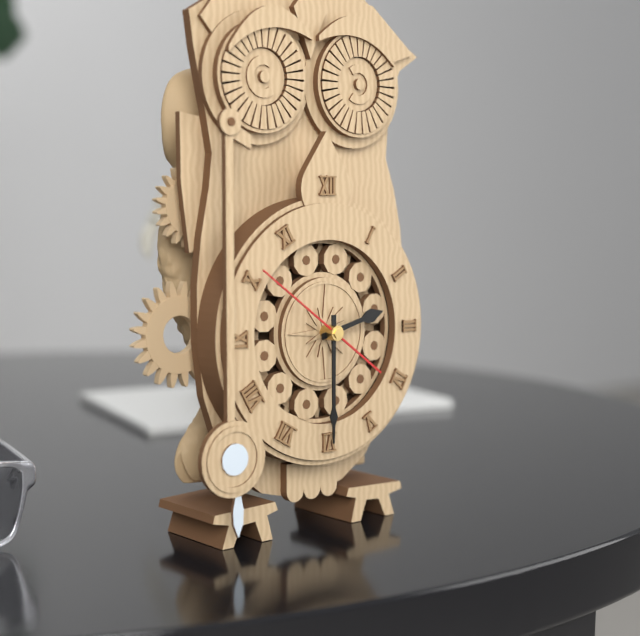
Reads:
{"hour": 2, "minute": 30, "second": 51}
